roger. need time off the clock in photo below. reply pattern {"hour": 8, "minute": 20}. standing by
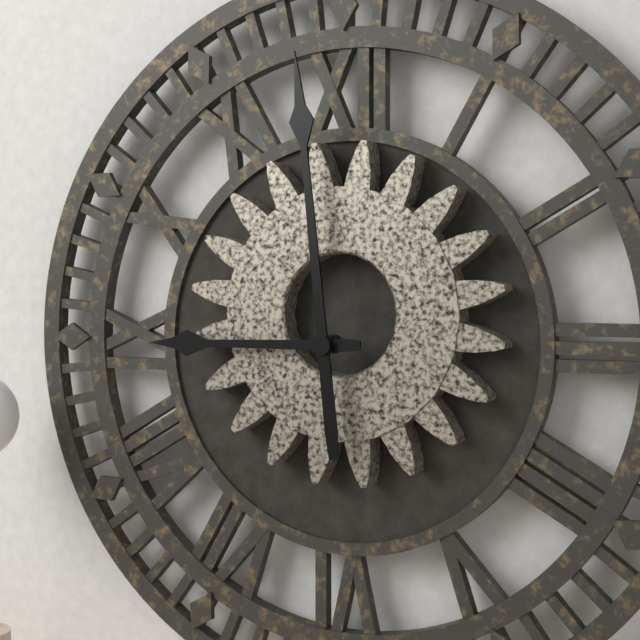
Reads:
{"hour": 8, "minute": 59}
